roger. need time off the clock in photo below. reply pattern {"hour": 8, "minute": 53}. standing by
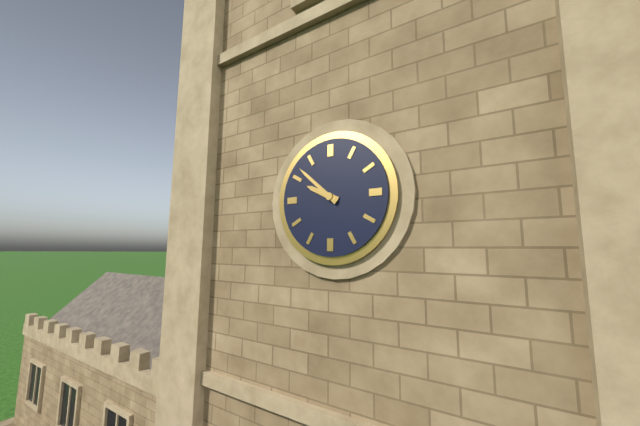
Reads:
{"hour": 9, "minute": 52}
